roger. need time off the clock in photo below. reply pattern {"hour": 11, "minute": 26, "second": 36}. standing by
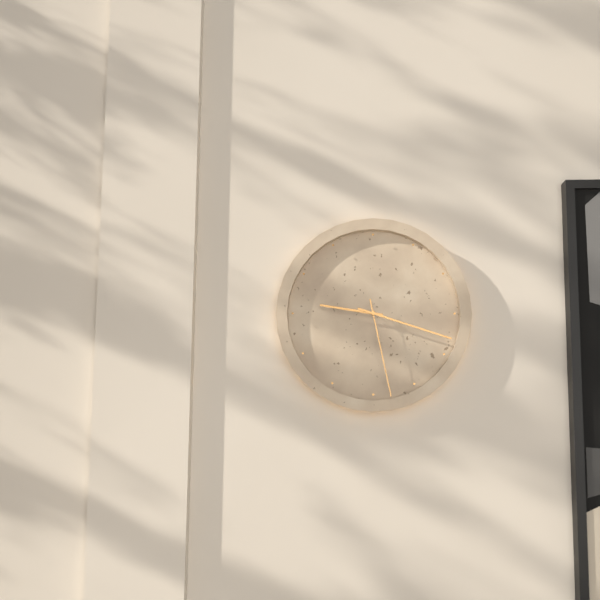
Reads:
{"hour": 9, "minute": 18, "second": 28}
